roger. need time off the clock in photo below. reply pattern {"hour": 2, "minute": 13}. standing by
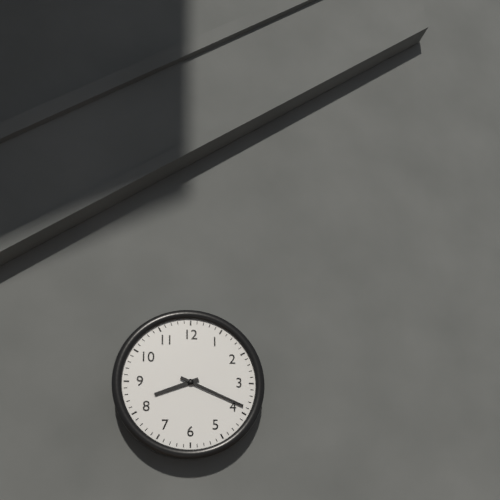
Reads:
{"hour": 8, "minute": 19}
